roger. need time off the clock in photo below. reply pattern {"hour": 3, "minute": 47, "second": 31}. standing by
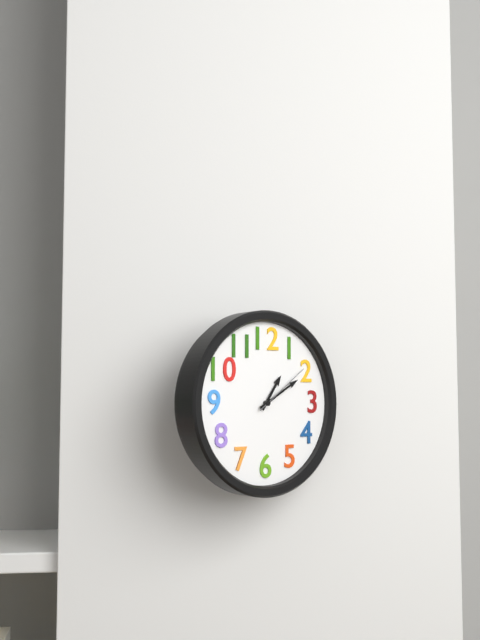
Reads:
{"hour": 1, "minute": 10, "second": 9}
